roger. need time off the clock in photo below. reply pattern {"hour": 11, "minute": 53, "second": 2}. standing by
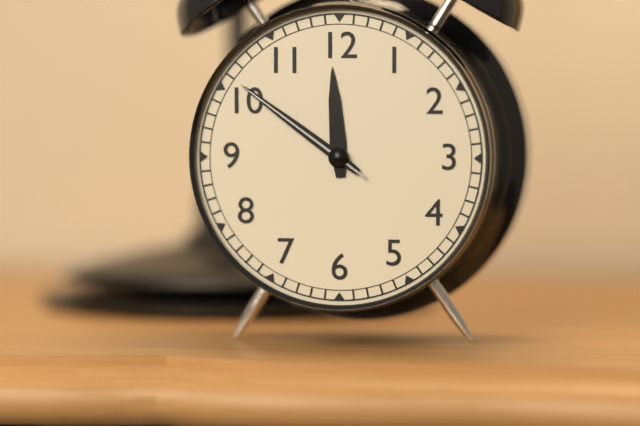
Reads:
{"hour": 11, "minute": 51, "second": 51}
